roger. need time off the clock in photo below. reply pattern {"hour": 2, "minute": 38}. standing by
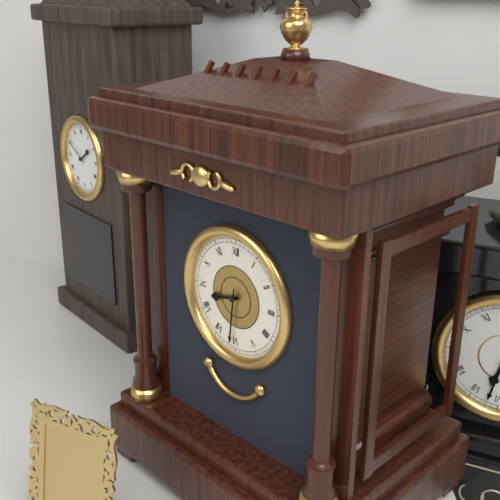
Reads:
{"hour": 8, "minute": 31}
